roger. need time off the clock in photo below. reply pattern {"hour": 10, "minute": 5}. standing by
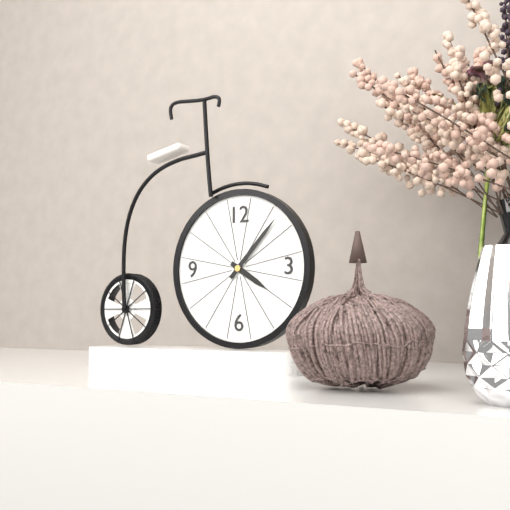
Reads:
{"hour": 4, "minute": 7}
